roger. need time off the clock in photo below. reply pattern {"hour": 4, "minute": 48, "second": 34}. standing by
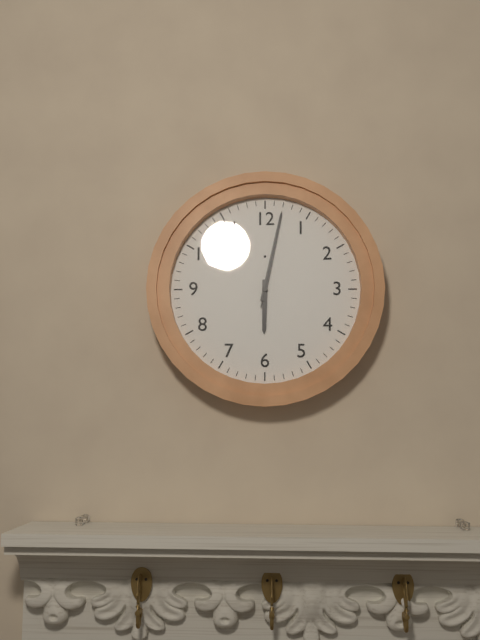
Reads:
{"hour": 6, "minute": 2, "second": 2}
